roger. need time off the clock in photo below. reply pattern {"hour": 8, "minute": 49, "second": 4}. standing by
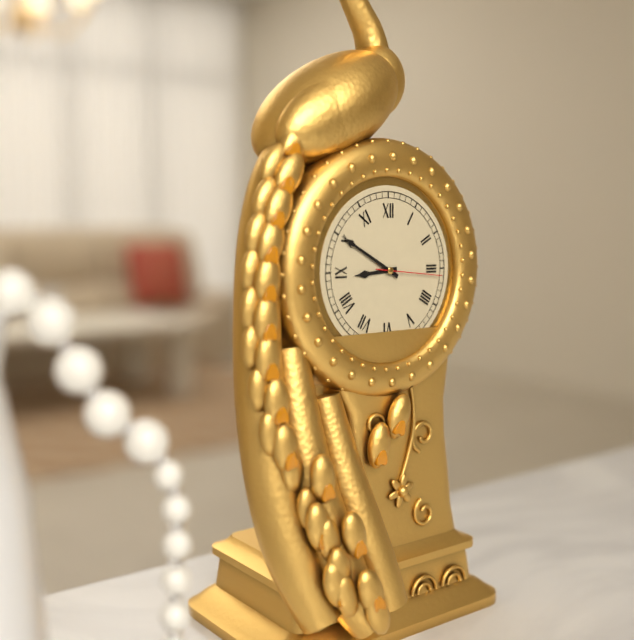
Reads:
{"hour": 8, "minute": 50, "second": 16}
